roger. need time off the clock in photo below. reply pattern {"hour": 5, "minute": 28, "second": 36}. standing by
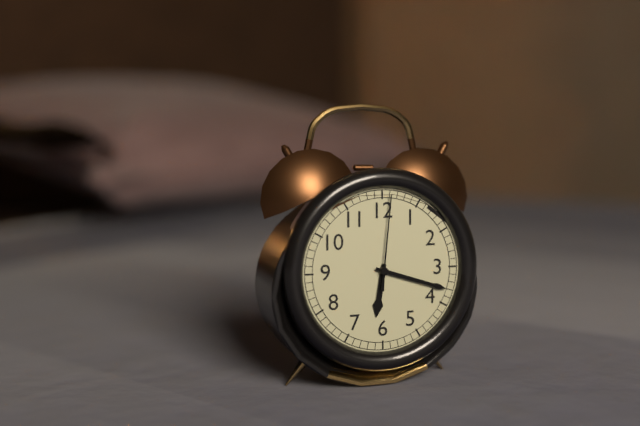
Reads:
{"hour": 6, "minute": 18, "second": 1}
